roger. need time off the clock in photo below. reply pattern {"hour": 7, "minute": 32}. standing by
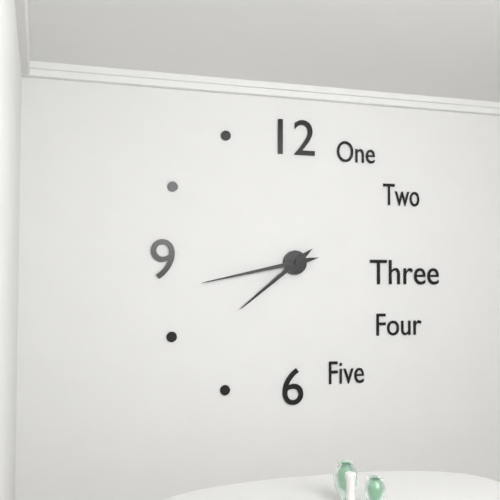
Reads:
{"hour": 7, "minute": 43}
